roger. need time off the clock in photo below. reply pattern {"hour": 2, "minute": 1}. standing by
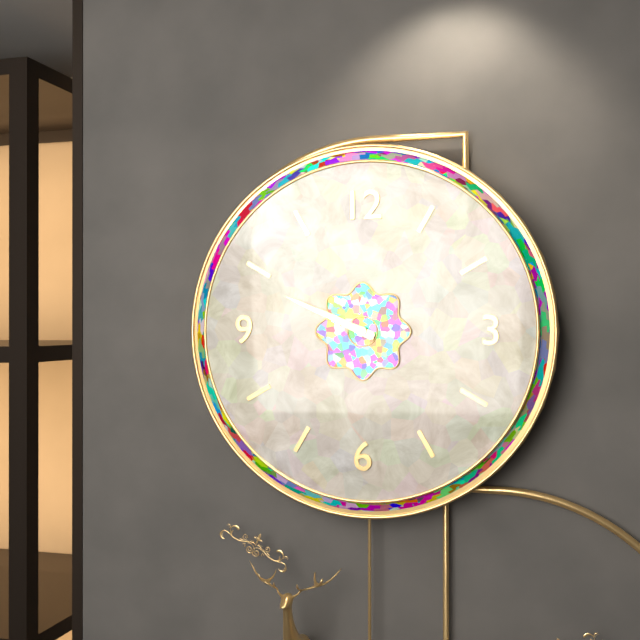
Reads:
{"hour": 9, "minute": 49}
